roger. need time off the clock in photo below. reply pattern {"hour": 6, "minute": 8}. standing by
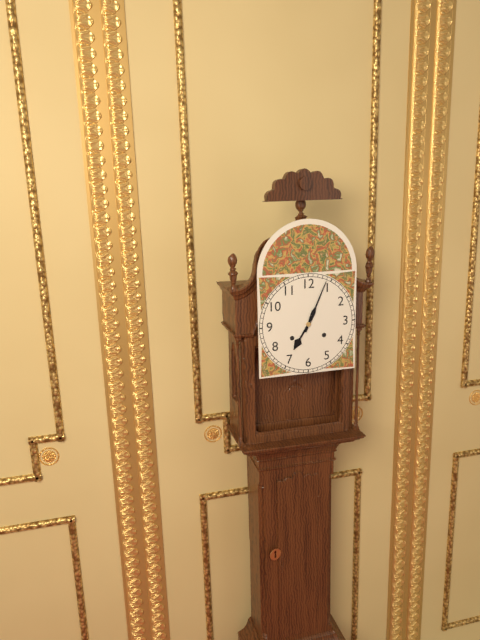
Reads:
{"hour": 7, "minute": 4}
